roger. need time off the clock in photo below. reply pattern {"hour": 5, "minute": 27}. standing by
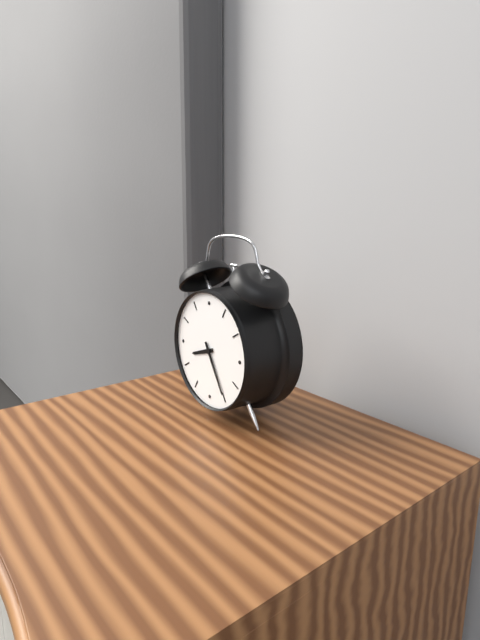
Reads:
{"hour": 8, "minute": 25}
